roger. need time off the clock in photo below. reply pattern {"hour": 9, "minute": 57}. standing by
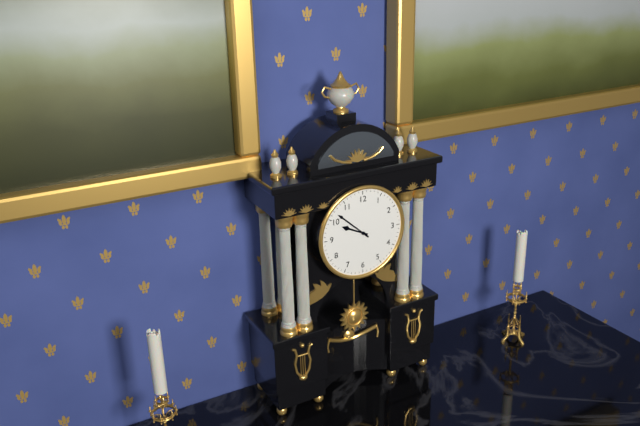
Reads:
{"hour": 9, "minute": 52}
